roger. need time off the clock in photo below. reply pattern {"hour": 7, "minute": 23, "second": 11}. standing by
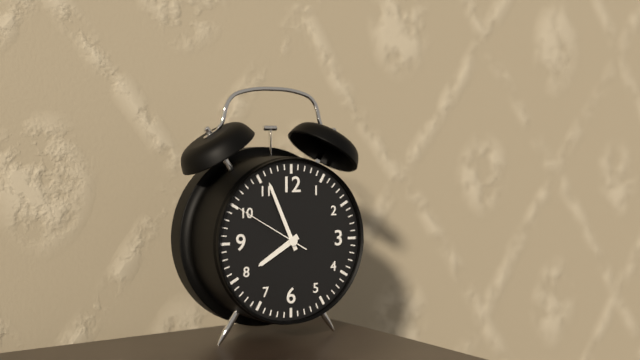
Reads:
{"hour": 7, "minute": 56, "second": 50}
